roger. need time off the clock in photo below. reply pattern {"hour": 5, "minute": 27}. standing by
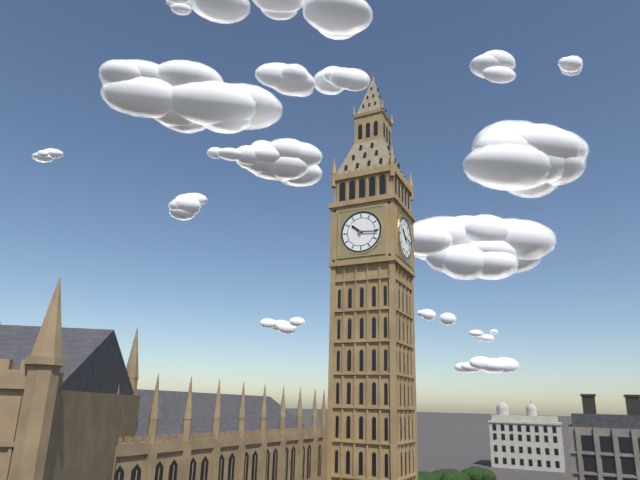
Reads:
{"hour": 10, "minute": 16}
